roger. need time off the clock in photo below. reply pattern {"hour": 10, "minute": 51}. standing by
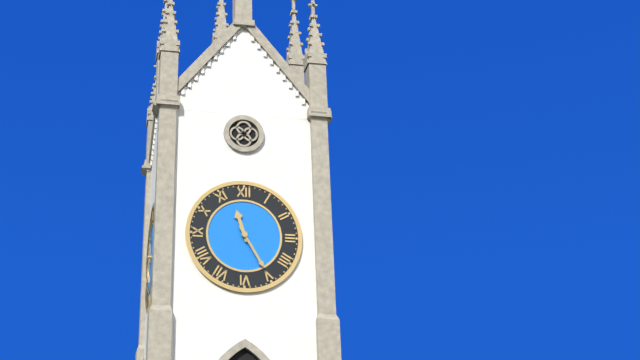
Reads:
{"hour": 11, "minute": 25}
